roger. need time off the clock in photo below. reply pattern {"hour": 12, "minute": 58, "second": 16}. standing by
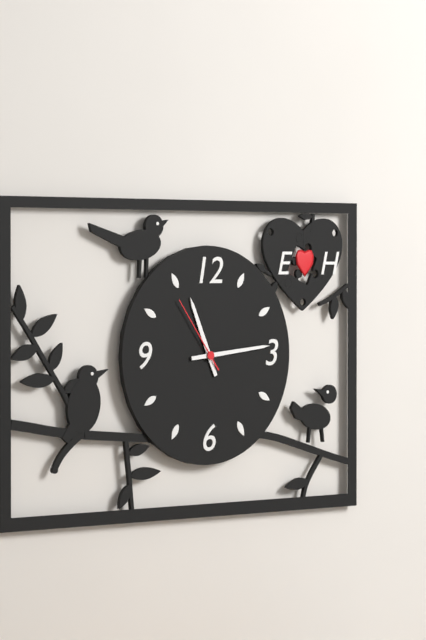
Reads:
{"hour": 11, "minute": 14, "second": 54}
